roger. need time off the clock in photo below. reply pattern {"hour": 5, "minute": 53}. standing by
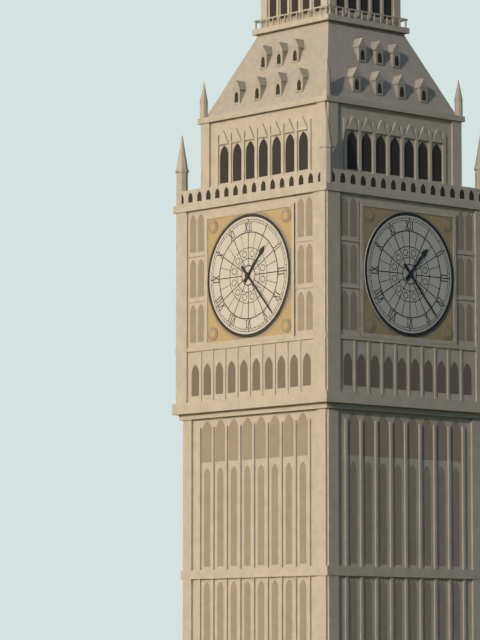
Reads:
{"hour": 1, "minute": 23}
